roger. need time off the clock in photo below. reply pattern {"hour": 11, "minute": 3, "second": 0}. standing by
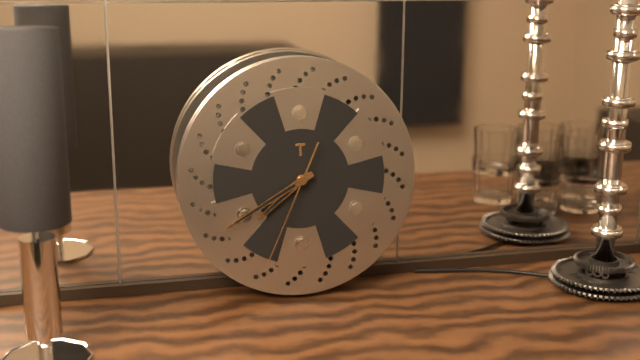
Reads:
{"hour": 7, "minute": 40, "second": 34}
